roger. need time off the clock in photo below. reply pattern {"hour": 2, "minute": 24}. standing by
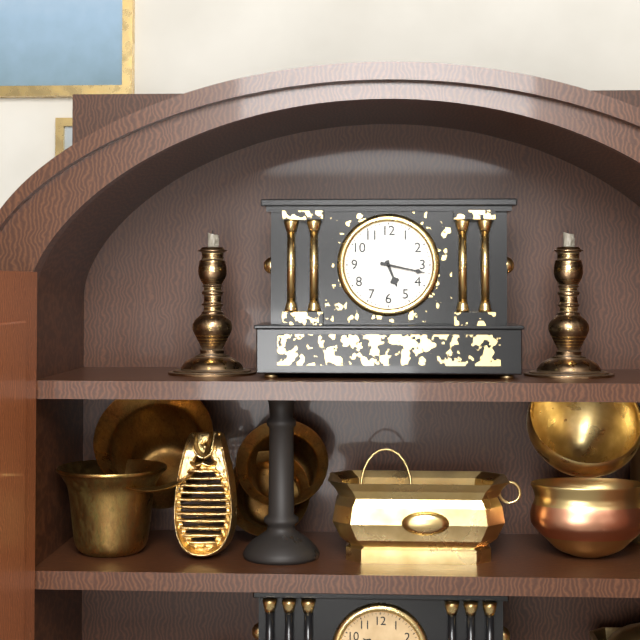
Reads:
{"hour": 5, "minute": 17}
